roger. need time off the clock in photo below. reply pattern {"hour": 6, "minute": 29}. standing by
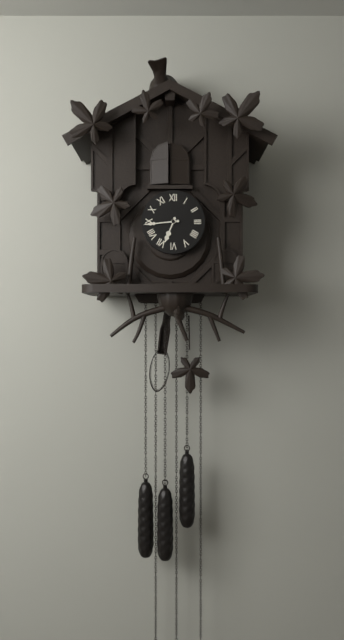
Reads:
{"hour": 6, "minute": 44}
